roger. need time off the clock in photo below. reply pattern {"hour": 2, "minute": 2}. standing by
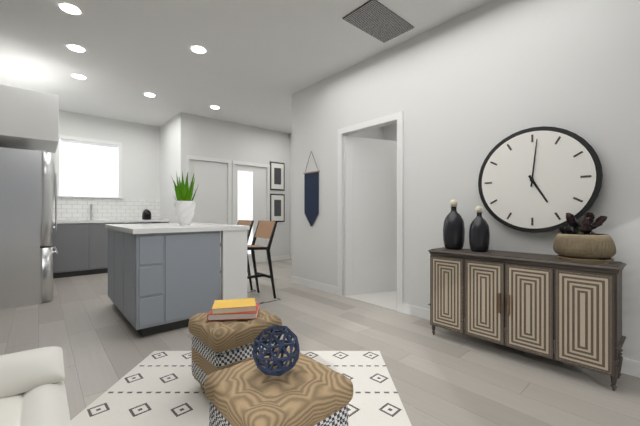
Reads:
{"hour": 5, "minute": 1}
